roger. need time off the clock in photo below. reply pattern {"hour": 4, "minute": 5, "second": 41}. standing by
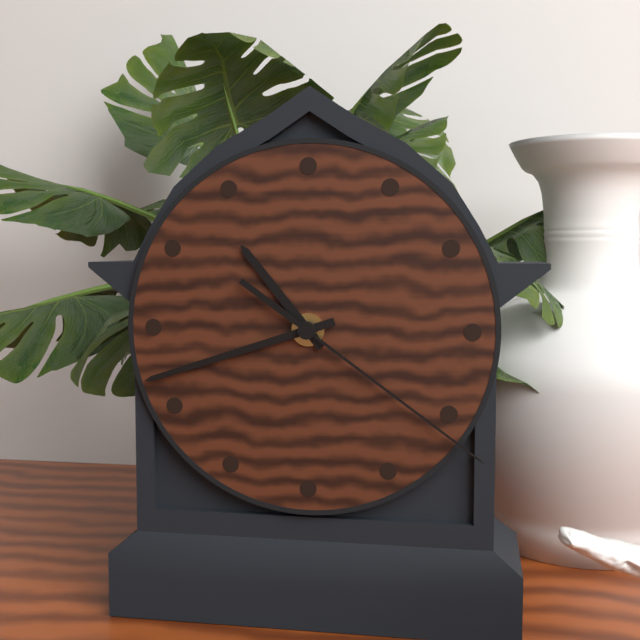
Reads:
{"hour": 10, "minute": 42, "second": 21}
